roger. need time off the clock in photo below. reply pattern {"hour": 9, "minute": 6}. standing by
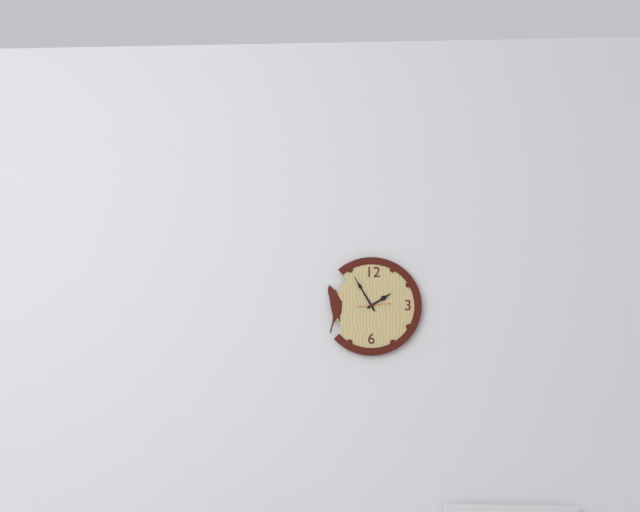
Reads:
{"hour": 1, "minute": 55}
